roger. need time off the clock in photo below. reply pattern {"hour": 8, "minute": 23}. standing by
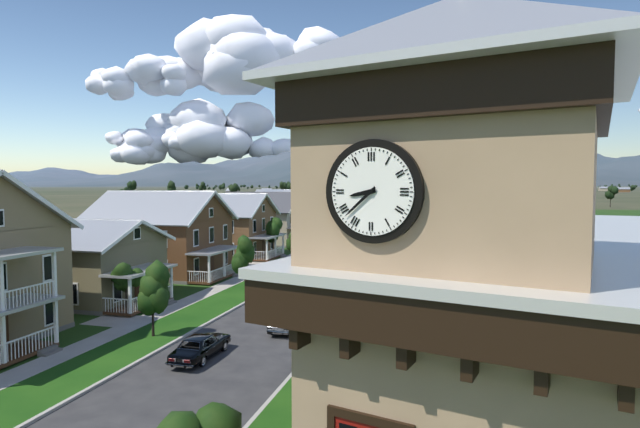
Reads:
{"hour": 8, "minute": 38}
